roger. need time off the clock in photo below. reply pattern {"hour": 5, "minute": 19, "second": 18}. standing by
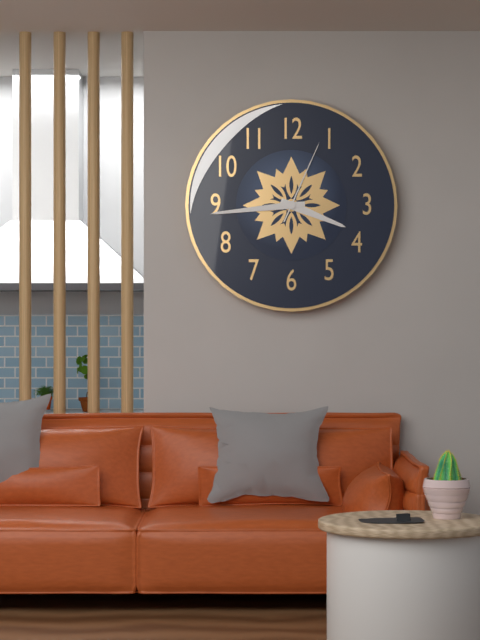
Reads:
{"hour": 3, "minute": 44, "second": 4}
